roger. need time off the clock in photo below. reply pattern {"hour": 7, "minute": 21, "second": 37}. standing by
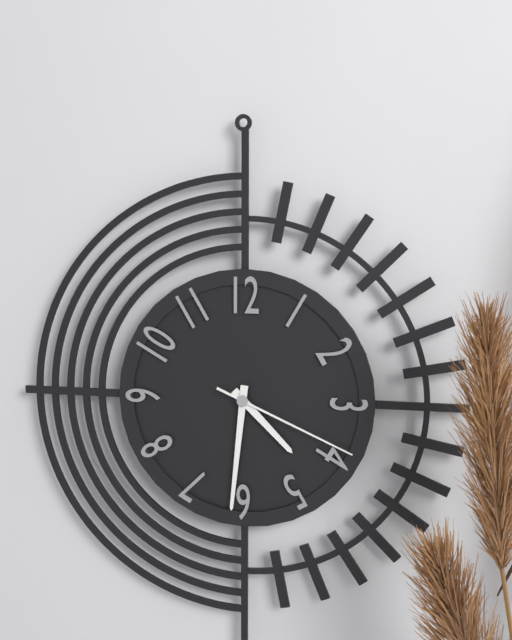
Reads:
{"hour": 4, "minute": 31, "second": 19}
